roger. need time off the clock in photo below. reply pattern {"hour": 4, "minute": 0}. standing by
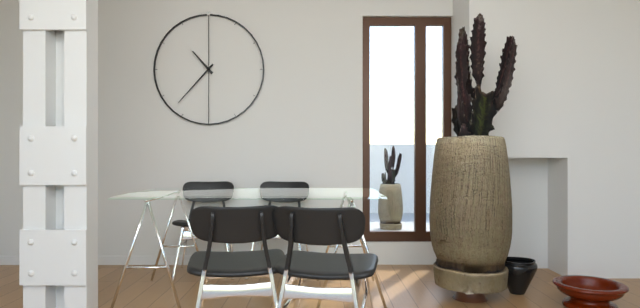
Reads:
{"hour": 10, "minute": 37}
